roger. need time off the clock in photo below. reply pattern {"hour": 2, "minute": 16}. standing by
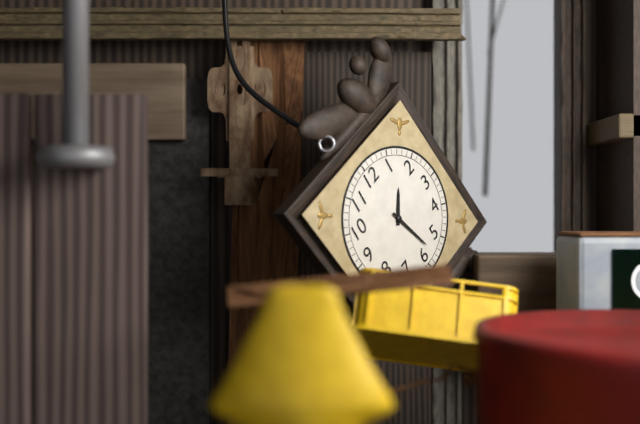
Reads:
{"hour": 1, "minute": 28}
